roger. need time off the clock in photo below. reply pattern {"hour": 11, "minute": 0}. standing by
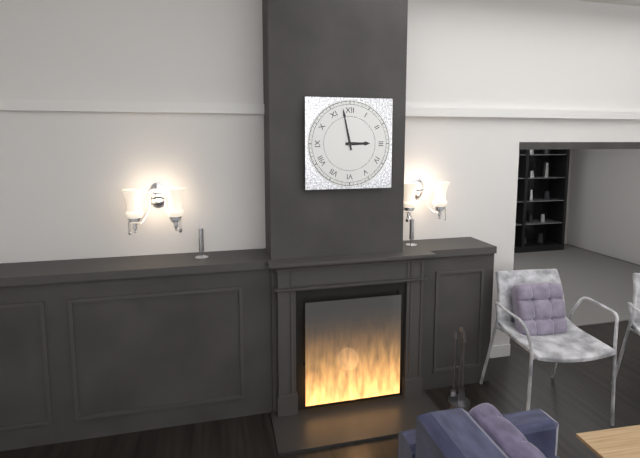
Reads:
{"hour": 2, "minute": 58}
